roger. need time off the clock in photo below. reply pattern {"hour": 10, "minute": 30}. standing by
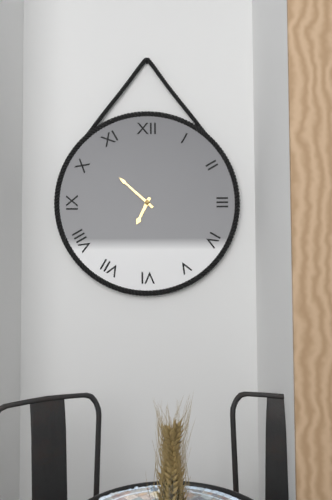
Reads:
{"hour": 6, "minute": 52}
